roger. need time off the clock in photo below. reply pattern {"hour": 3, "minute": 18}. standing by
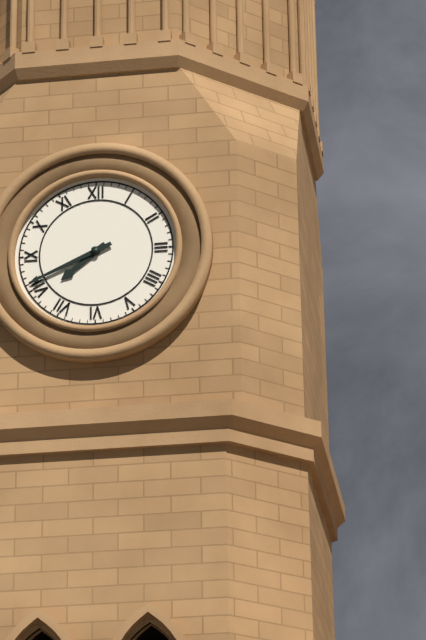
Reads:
{"hour": 7, "minute": 41}
